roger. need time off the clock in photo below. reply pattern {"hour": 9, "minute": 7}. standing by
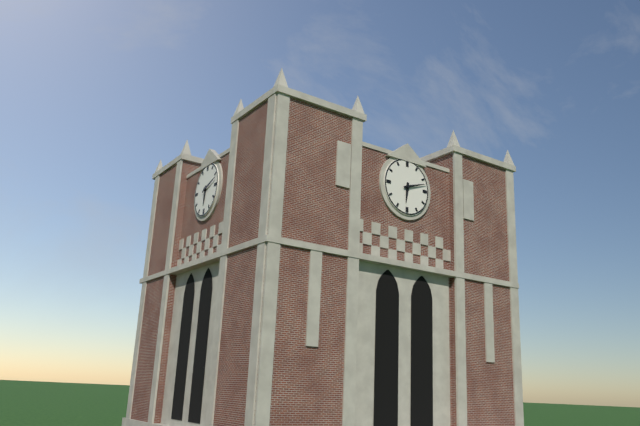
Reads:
{"hour": 6, "minute": 12}
